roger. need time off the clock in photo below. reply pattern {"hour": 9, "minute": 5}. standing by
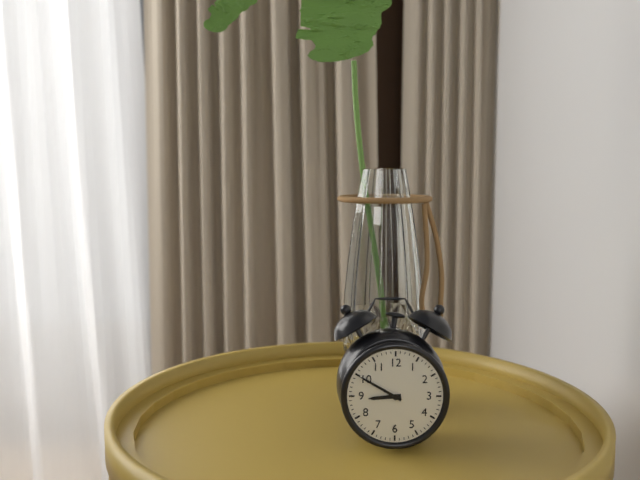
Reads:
{"hour": 8, "minute": 50}
